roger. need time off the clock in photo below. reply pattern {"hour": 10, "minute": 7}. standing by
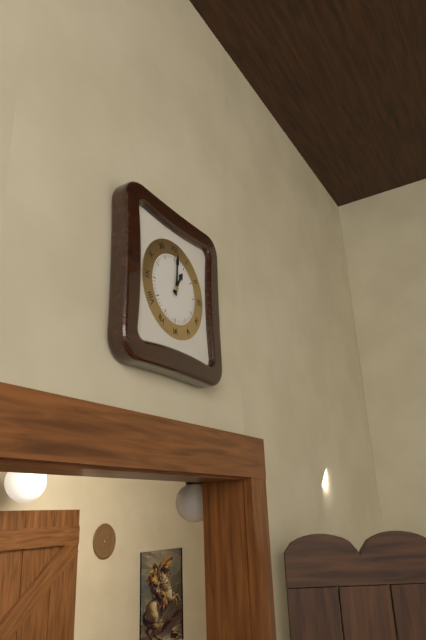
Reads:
{"hour": 1, "minute": 1}
